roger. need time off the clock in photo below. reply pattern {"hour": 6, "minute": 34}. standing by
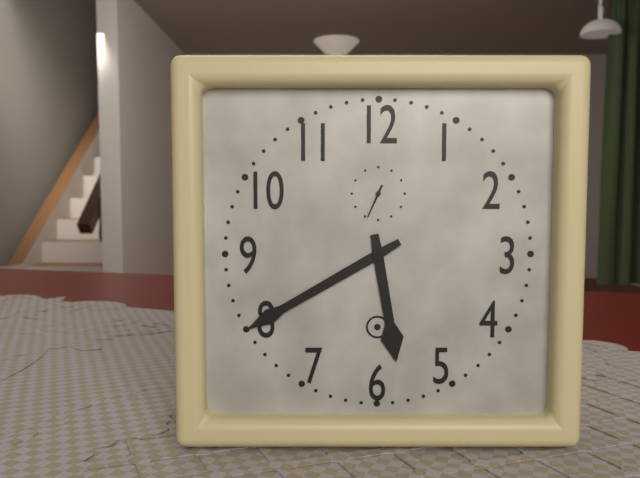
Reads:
{"hour": 5, "minute": 40}
